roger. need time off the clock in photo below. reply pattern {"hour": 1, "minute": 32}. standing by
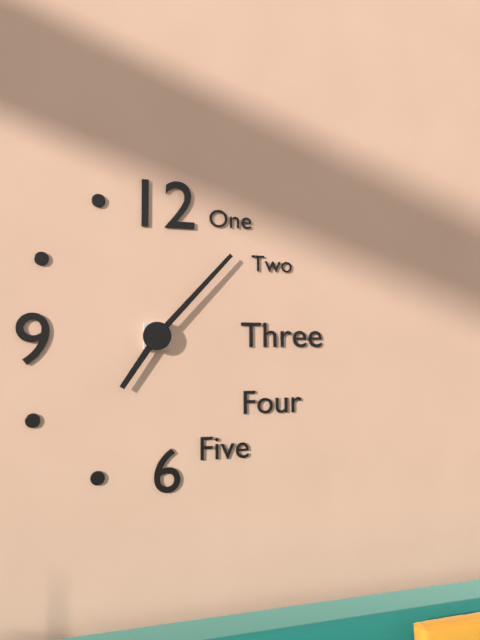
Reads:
{"hour": 7, "minute": 7}
